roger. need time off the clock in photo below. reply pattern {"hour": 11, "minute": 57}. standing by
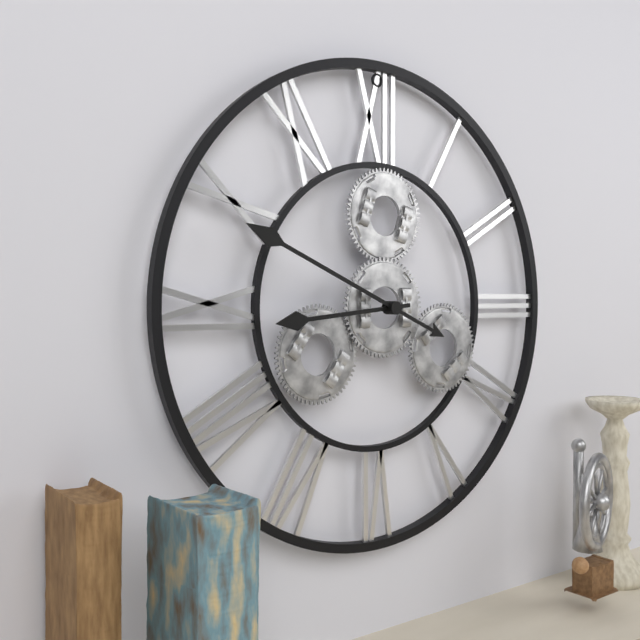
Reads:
{"hour": 8, "minute": 49}
